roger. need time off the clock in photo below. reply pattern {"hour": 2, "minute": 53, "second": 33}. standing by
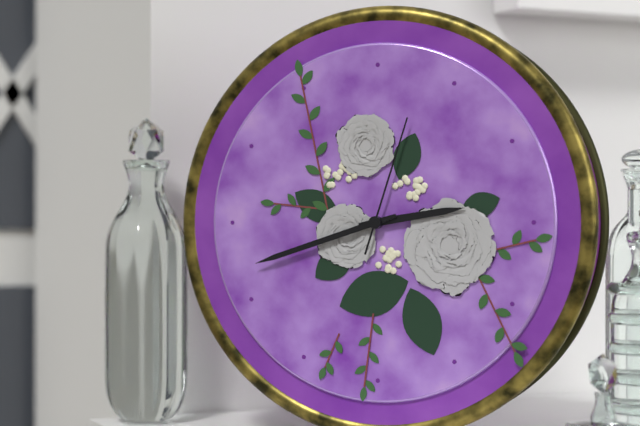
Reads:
{"hour": 2, "minute": 42, "second": 3}
